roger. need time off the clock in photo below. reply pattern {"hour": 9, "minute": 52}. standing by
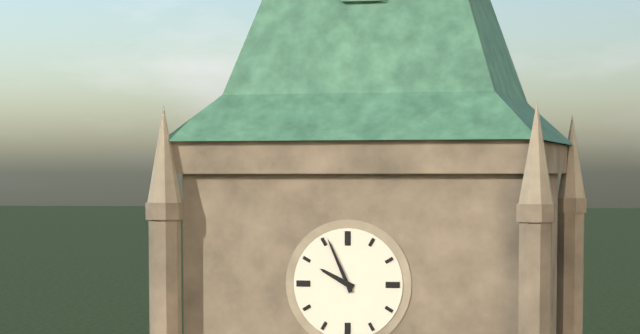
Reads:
{"hour": 9, "minute": 56}
